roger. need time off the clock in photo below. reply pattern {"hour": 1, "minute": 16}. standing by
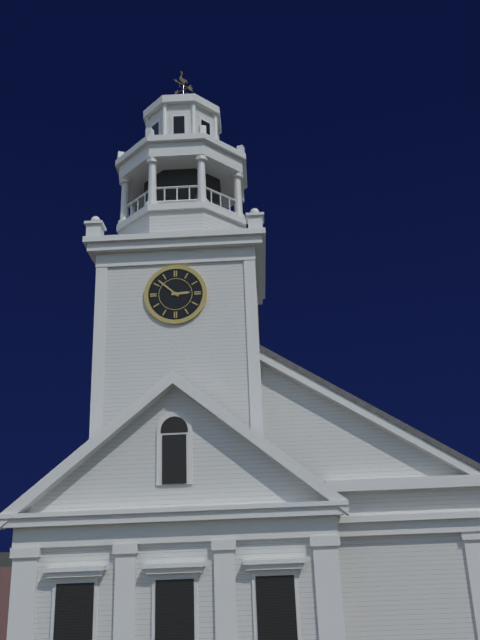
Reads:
{"hour": 2, "minute": 52}
